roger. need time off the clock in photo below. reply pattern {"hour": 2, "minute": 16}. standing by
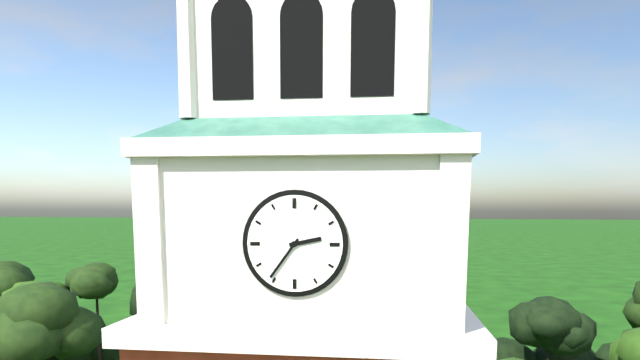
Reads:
{"hour": 2, "minute": 36}
